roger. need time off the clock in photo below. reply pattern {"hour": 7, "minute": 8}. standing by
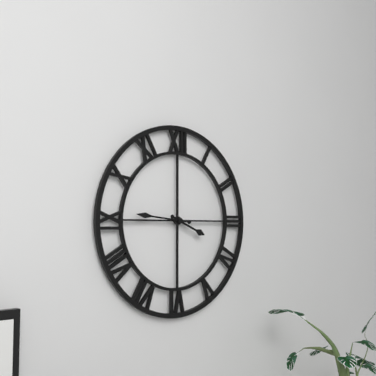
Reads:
{"hour": 3, "minute": 46}
